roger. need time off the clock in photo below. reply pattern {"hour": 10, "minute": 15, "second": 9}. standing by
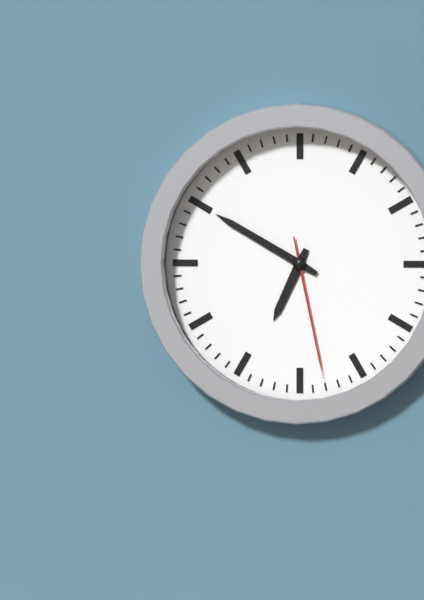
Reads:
{"hour": 6, "minute": 50, "second": 28}
